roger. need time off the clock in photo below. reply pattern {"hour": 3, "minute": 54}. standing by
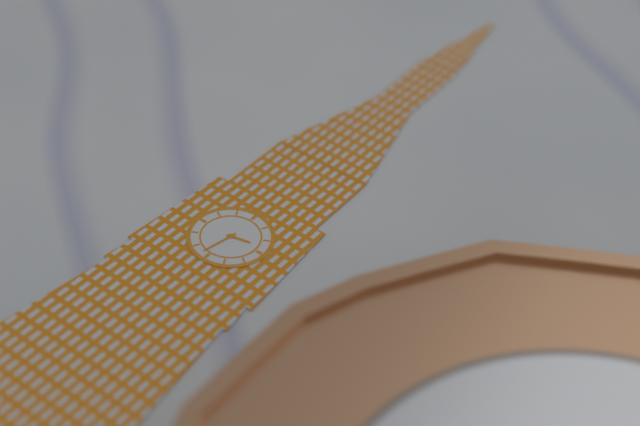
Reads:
{"hour": 2, "minute": 32}
